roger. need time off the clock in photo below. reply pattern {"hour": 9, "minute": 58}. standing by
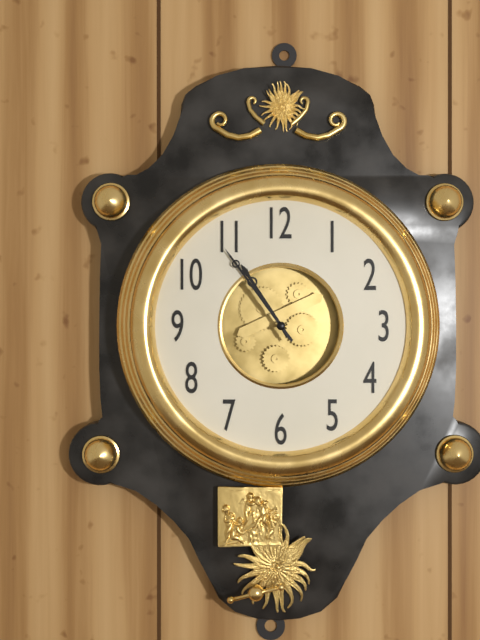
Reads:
{"hour": 10, "minute": 54}
